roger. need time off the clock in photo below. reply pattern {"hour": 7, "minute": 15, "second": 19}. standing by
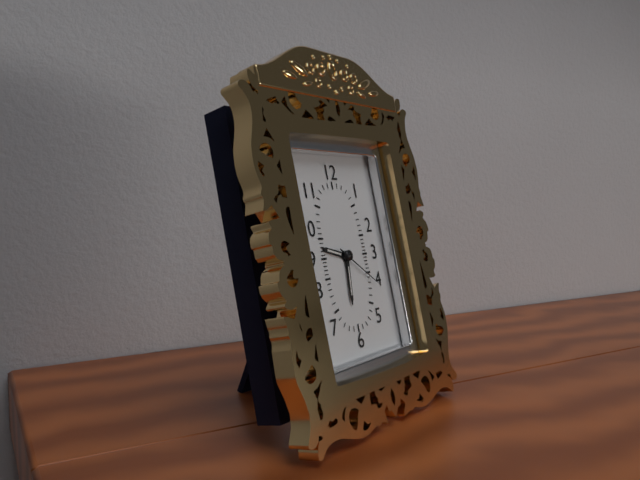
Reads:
{"hour": 9, "minute": 31, "second": 21}
